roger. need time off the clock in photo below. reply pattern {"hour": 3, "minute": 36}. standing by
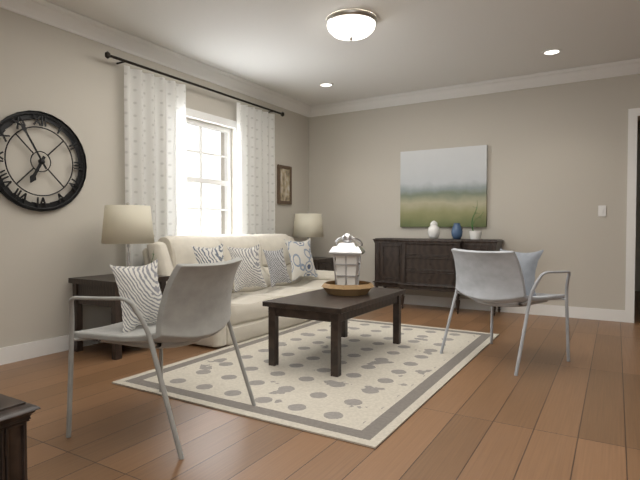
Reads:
{"hour": 6, "minute": 55}
